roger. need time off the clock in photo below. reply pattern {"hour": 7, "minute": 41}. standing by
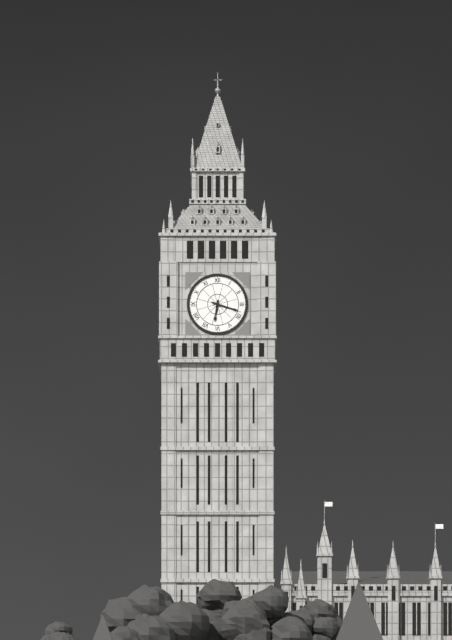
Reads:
{"hour": 6, "minute": 18}
